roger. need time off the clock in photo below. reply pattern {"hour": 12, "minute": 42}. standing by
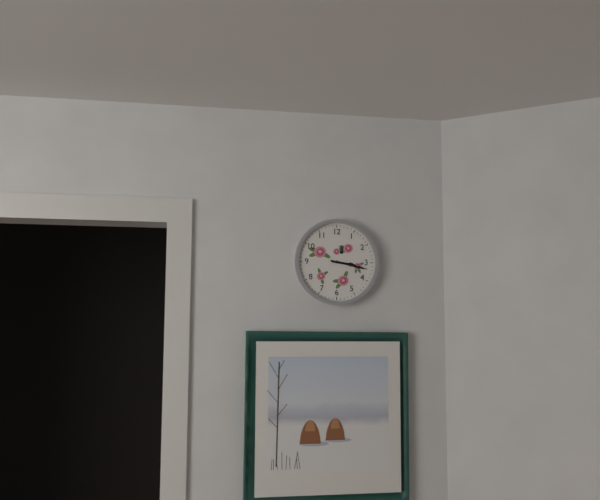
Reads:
{"hour": 3, "minute": 17}
